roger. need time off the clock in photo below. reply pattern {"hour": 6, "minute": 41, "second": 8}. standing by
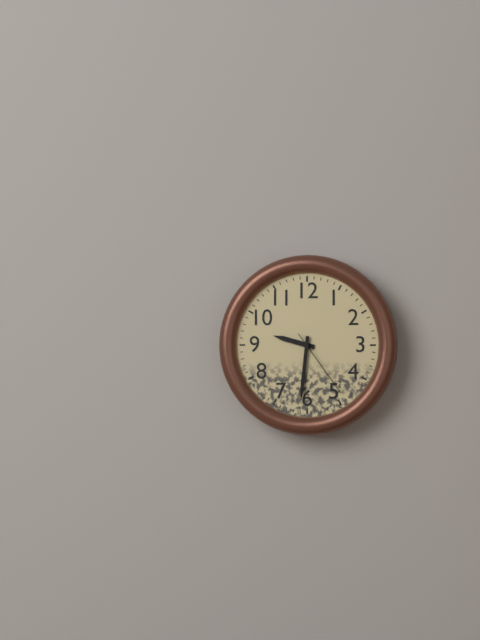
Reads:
{"hour": 9, "minute": 31, "second": 24}
